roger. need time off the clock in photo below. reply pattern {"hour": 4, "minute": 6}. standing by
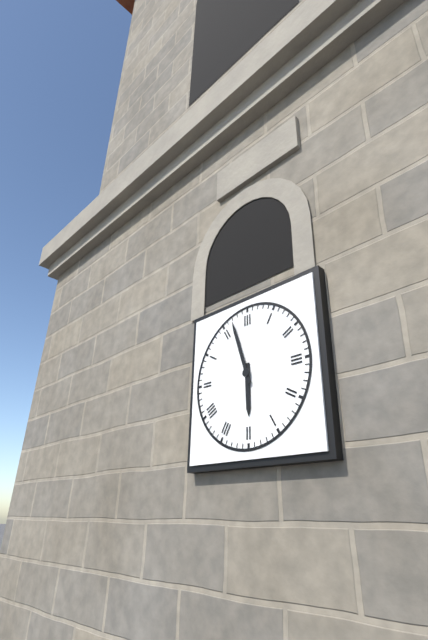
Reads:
{"hour": 5, "minute": 57}
